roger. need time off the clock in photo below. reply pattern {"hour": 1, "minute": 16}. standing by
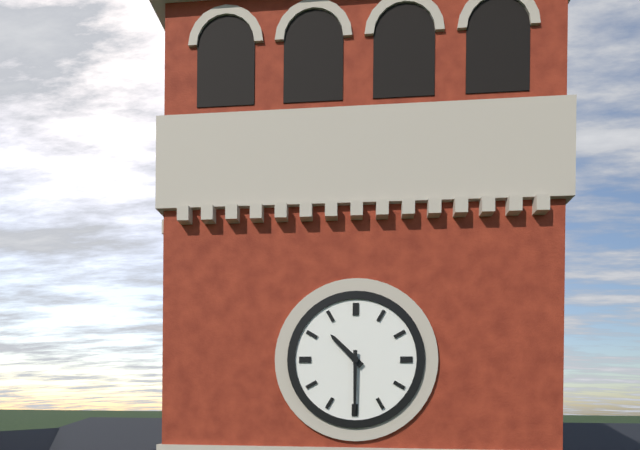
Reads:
{"hour": 10, "minute": 30}
